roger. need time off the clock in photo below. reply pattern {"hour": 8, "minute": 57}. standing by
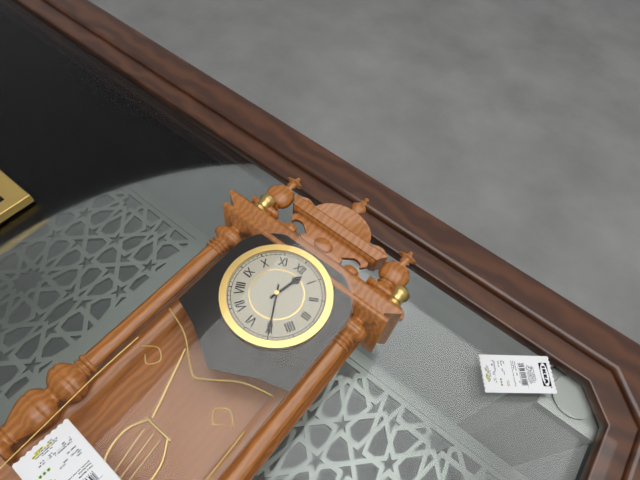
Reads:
{"hour": 12, "minute": 25}
